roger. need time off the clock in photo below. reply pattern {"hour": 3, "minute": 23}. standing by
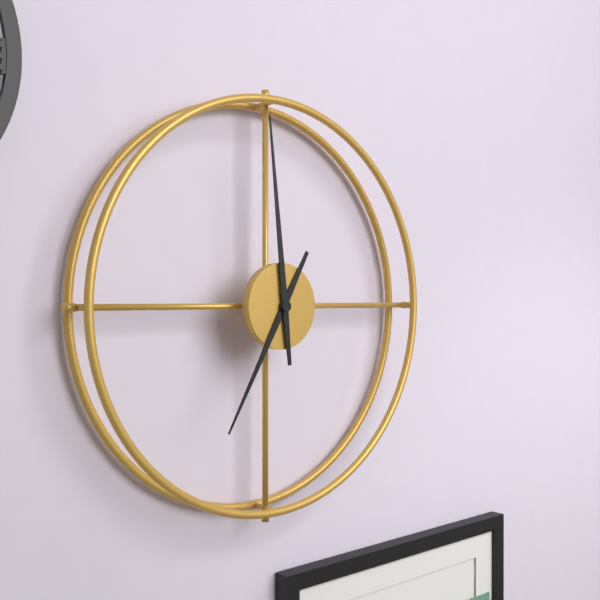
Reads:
{"hour": 6, "minute": 59}
